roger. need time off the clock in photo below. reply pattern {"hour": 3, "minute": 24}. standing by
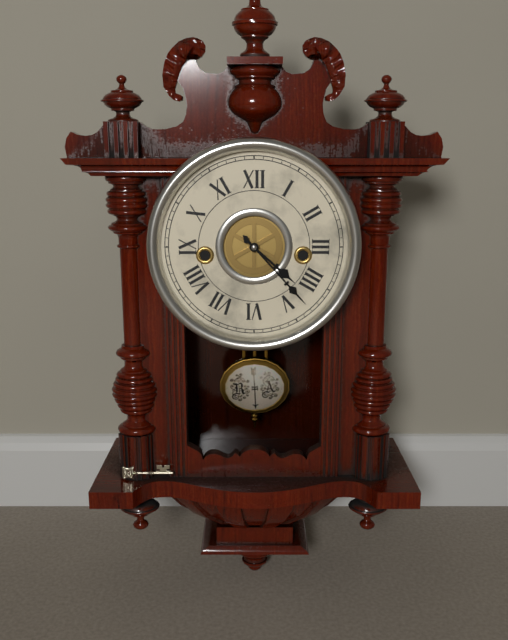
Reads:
{"hour": 4, "minute": 23}
